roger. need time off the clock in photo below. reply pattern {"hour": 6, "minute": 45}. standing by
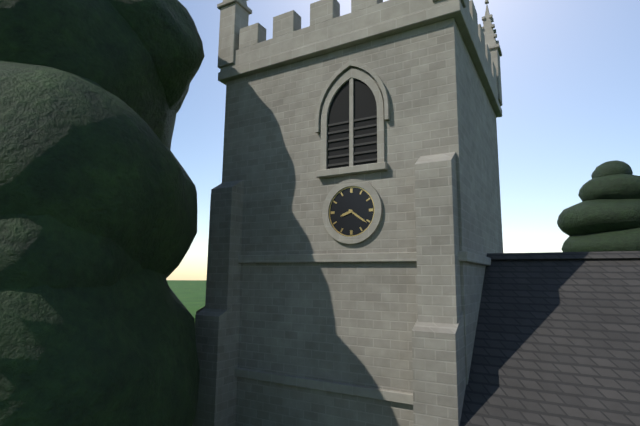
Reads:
{"hour": 8, "minute": 21}
